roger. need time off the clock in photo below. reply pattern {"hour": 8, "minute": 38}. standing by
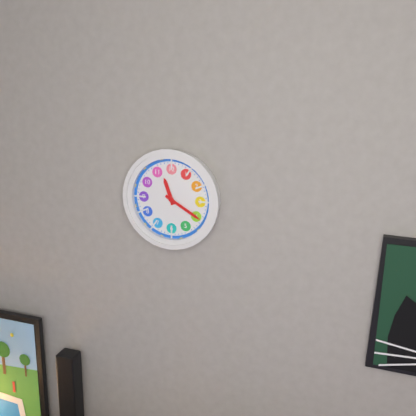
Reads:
{"hour": 11, "minute": 20}
